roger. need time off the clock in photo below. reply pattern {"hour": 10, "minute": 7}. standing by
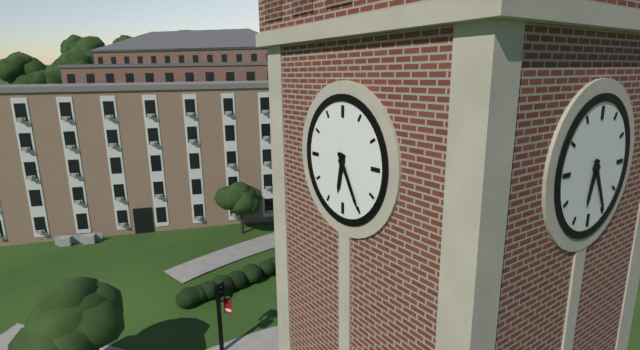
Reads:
{"hour": 6, "minute": 25}
